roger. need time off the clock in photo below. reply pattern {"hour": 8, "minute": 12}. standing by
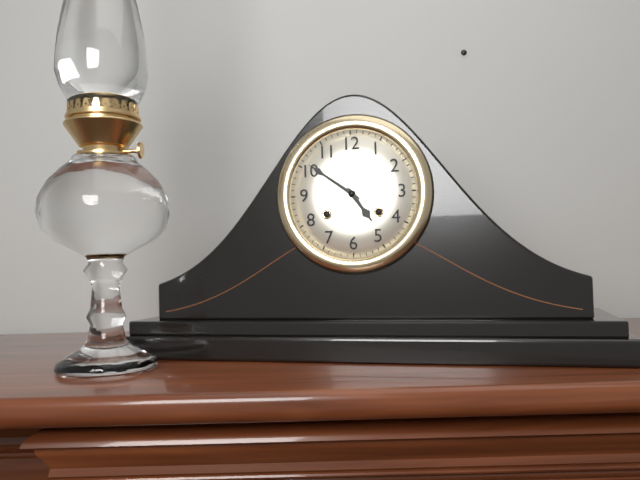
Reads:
{"hour": 4, "minute": 51}
